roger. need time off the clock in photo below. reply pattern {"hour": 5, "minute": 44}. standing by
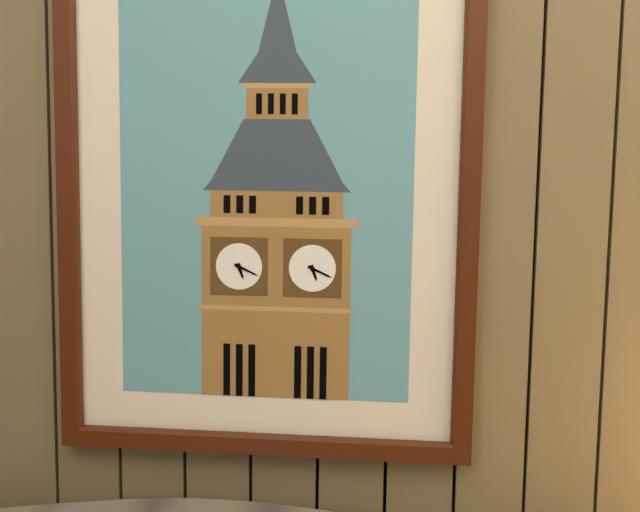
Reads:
{"hour": 5, "minute": 19}
